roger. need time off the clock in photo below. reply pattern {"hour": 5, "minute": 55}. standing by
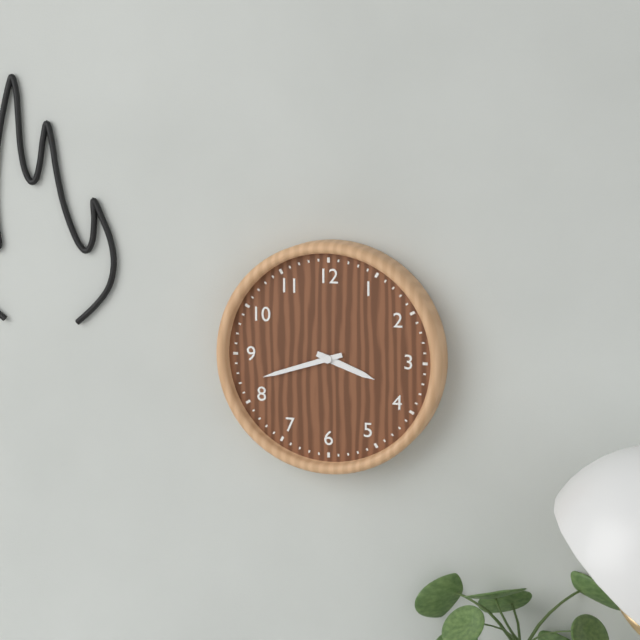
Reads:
{"hour": 3, "minute": 42}
